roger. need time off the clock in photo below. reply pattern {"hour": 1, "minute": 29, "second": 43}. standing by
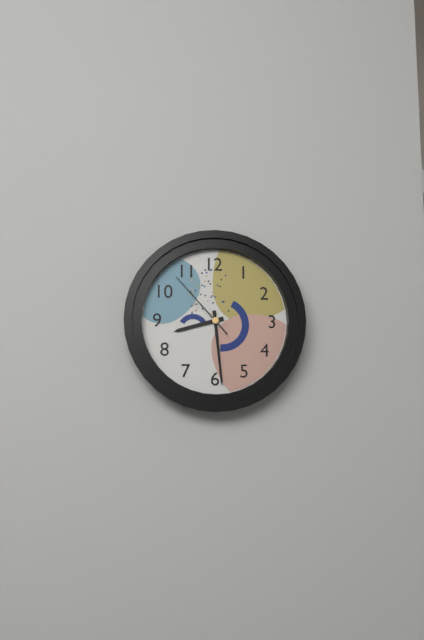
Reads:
{"hour": 8, "minute": 29, "second": 53}
